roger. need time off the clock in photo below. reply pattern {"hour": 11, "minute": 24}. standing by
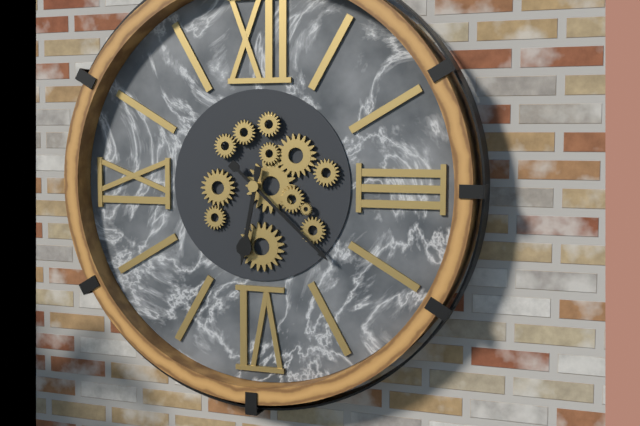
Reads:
{"hour": 6, "minute": 22}
